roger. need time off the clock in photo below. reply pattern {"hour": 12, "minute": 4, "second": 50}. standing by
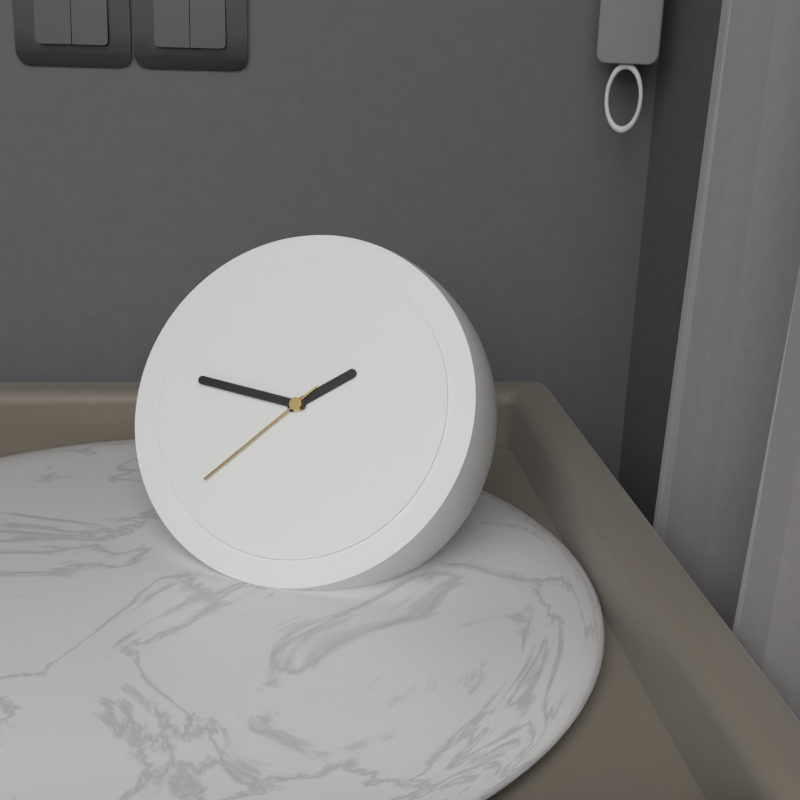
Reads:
{"hour": 1, "minute": 46, "second": 37}
